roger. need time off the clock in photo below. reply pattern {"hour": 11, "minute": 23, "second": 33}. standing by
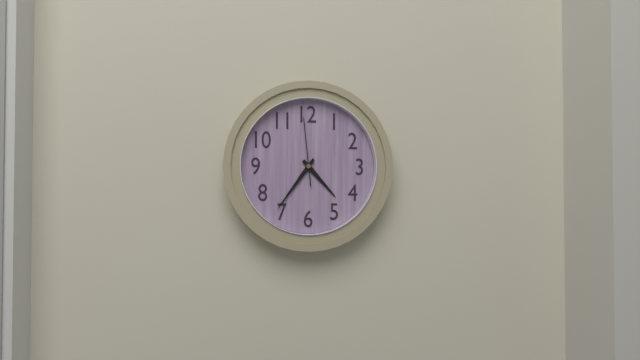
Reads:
{"hour": 4, "minute": 36, "second": 59}
